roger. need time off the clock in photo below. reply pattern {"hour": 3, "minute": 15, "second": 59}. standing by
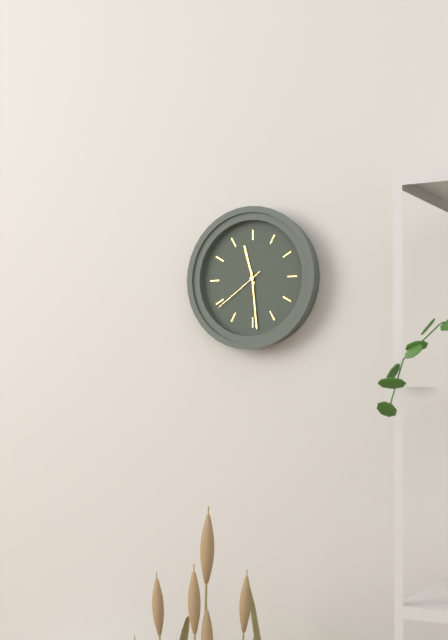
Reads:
{"hour": 11, "minute": 29, "second": 39}
